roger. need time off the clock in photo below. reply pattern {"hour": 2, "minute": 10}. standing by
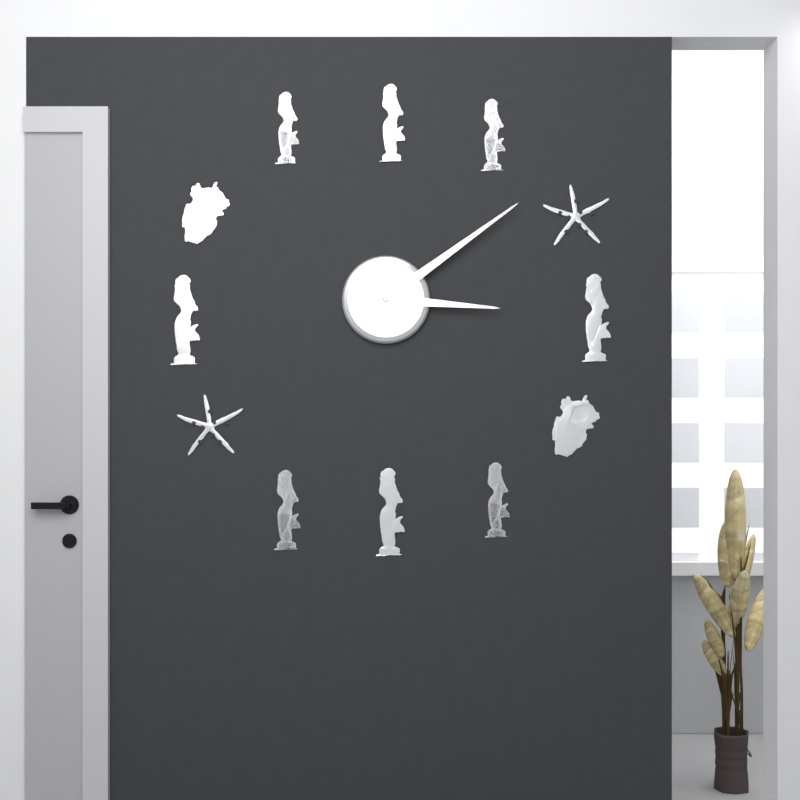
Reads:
{"hour": 3, "minute": 9}
